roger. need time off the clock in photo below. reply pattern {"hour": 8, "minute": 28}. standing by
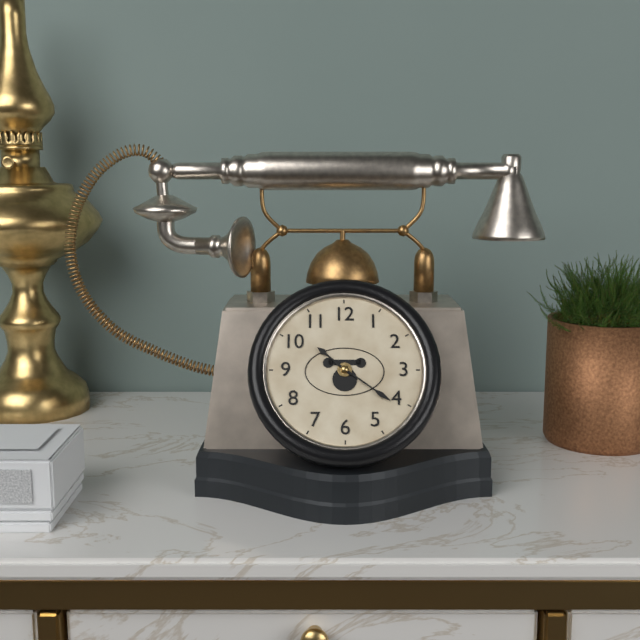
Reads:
{"hour": 10, "minute": 21}
